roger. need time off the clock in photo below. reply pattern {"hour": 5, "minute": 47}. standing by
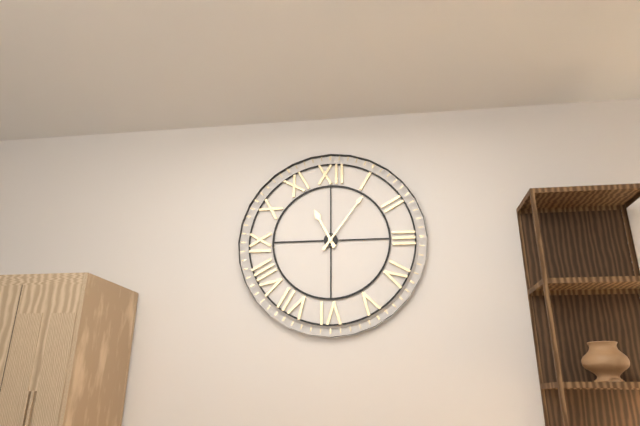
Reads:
{"hour": 11, "minute": 6}
